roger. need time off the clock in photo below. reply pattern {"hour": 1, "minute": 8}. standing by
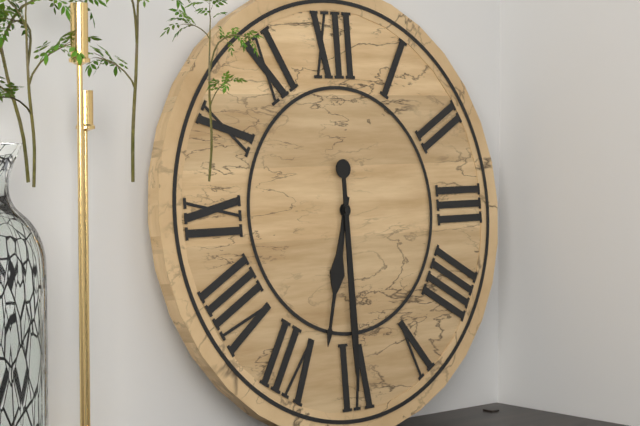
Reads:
{"hour": 6, "minute": 30}
